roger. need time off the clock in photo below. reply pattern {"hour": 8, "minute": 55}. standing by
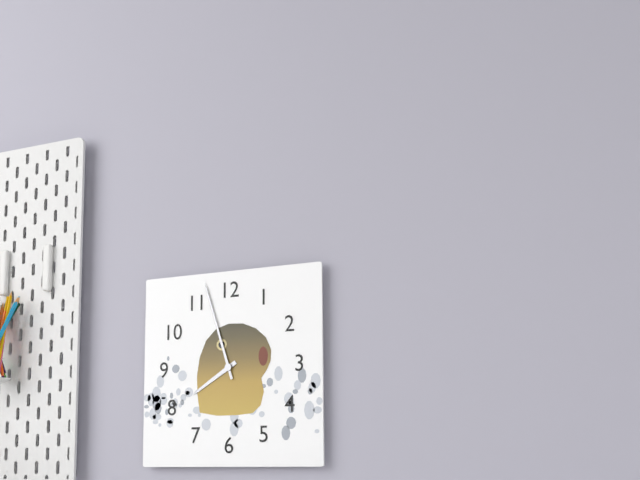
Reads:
{"hour": 7, "minute": 57}
